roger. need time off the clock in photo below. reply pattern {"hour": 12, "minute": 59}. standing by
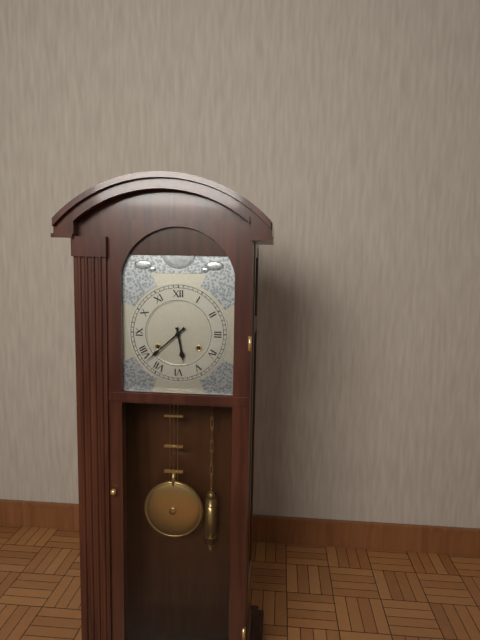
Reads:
{"hour": 5, "minute": 38}
